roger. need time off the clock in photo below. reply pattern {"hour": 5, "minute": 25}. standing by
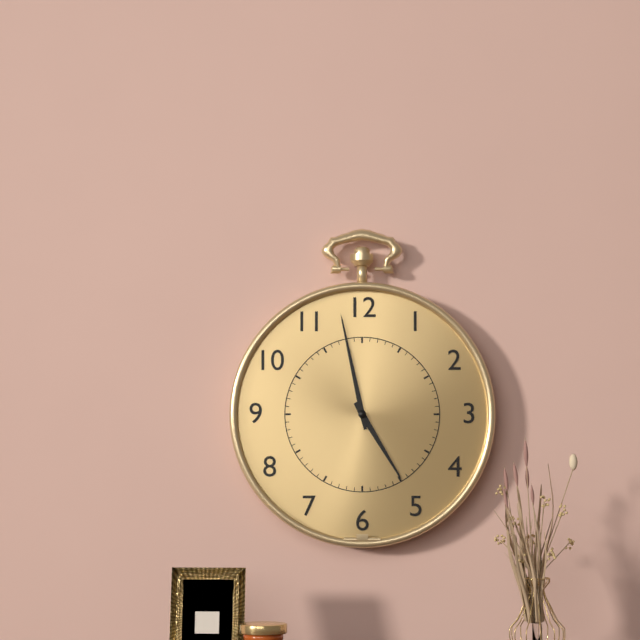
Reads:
{"hour": 4, "minute": 58}
